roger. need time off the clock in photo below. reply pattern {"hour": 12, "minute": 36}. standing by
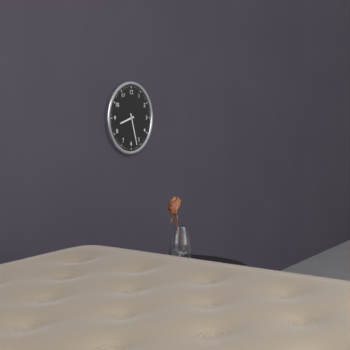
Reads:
{"hour": 8, "minute": 27}
